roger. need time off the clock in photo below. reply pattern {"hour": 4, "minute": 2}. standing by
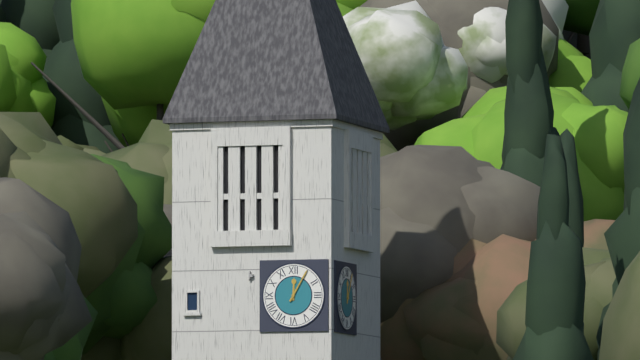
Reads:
{"hour": 12, "minute": 5}
